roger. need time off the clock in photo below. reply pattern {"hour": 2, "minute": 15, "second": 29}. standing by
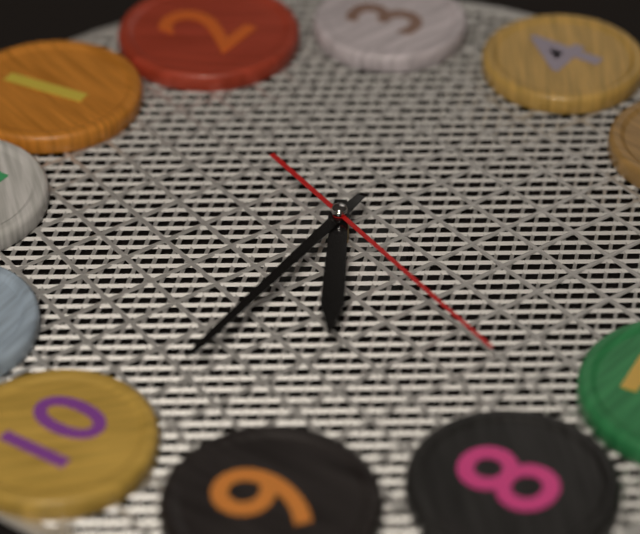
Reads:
{"hour": 8, "minute": 49, "second": 38}
